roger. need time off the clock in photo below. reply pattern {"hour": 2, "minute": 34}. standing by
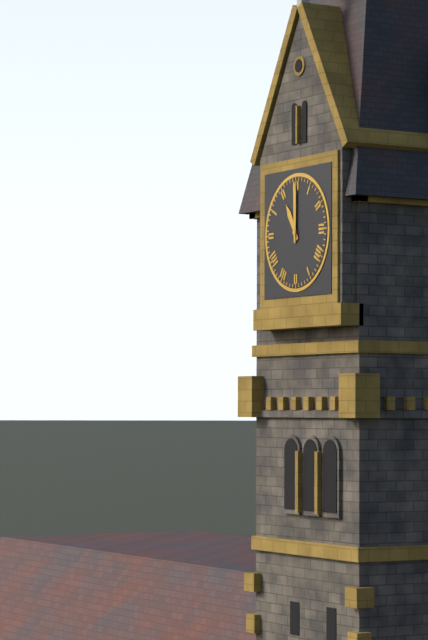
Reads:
{"hour": 11, "minute": 0}
